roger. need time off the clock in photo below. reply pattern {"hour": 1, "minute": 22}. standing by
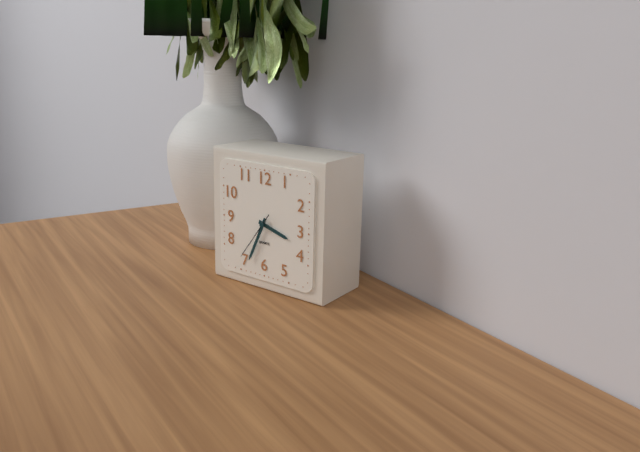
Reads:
{"hour": 3, "minute": 34}
